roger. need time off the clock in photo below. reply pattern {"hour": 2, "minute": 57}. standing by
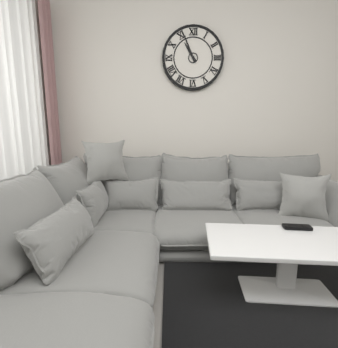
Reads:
{"hour": 10, "minute": 56}
